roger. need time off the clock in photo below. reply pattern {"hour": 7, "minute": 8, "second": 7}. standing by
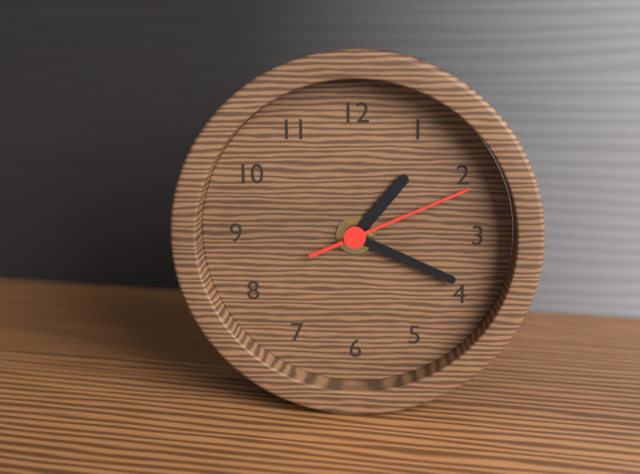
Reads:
{"hour": 1, "minute": 19, "second": 11}
